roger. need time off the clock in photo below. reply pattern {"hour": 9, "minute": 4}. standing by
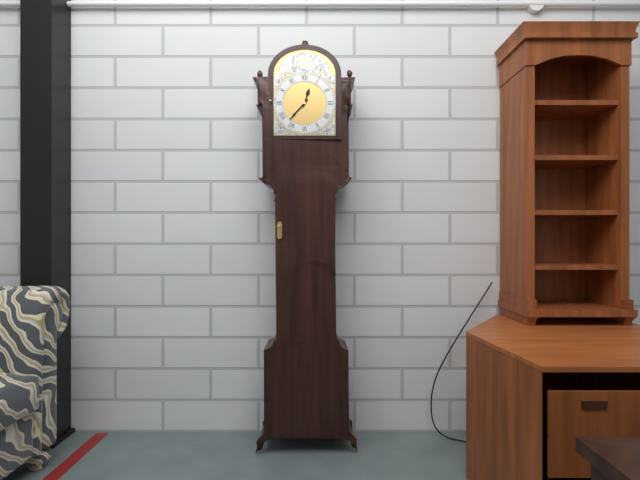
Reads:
{"hour": 12, "minute": 37}
